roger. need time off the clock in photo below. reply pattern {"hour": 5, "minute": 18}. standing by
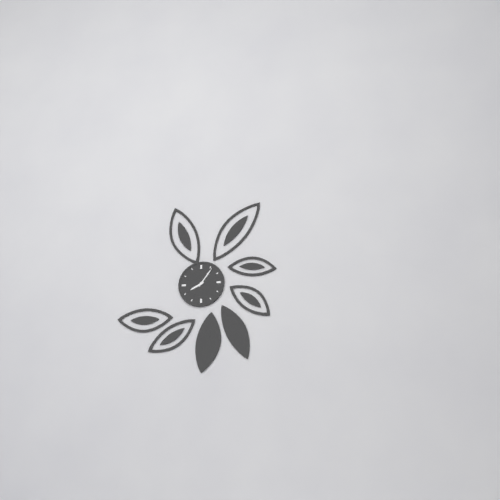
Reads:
{"hour": 8, "minute": 6}
